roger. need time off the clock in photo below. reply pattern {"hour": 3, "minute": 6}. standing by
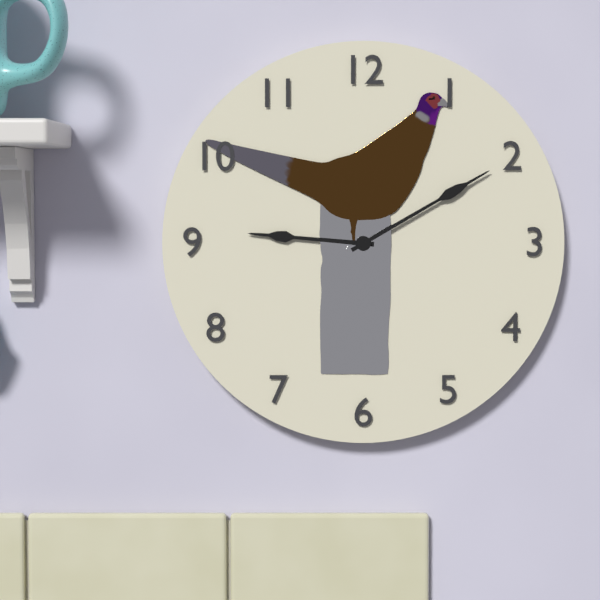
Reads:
{"hour": 9, "minute": 10}
